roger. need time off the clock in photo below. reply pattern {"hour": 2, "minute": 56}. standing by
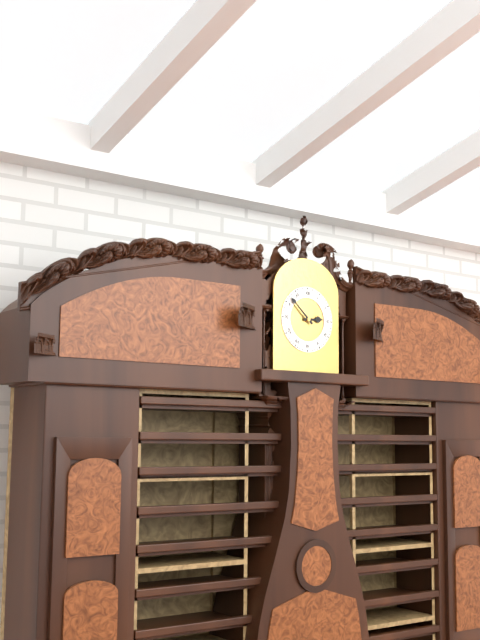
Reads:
{"hour": 2, "minute": 52}
